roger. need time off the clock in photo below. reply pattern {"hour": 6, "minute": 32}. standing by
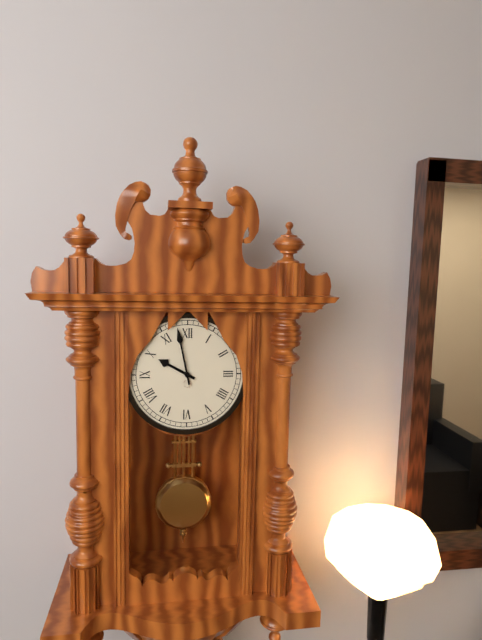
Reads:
{"hour": 9, "minute": 58}
